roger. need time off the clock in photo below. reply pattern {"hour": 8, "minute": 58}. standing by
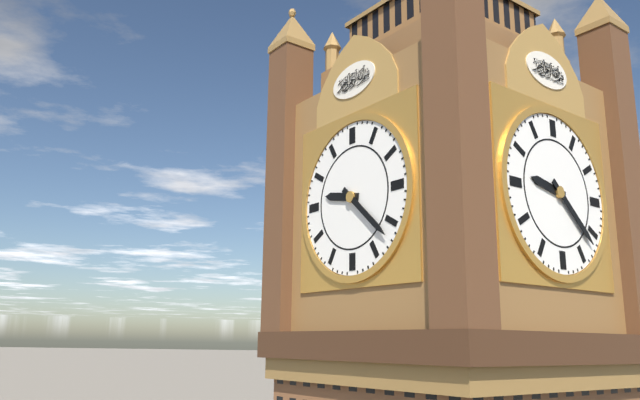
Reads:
{"hour": 9, "minute": 22}
